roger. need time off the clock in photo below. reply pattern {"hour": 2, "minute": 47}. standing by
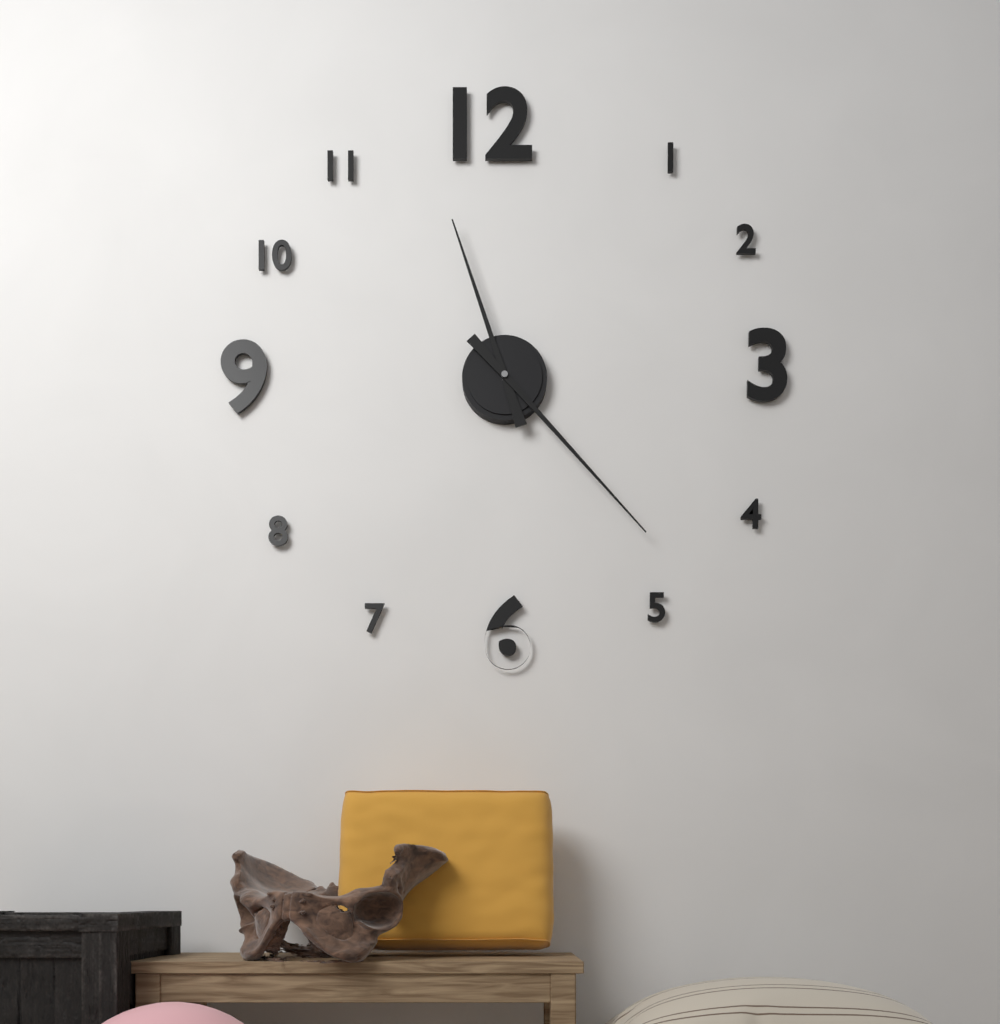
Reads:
{"hour": 11, "minute": 23}
